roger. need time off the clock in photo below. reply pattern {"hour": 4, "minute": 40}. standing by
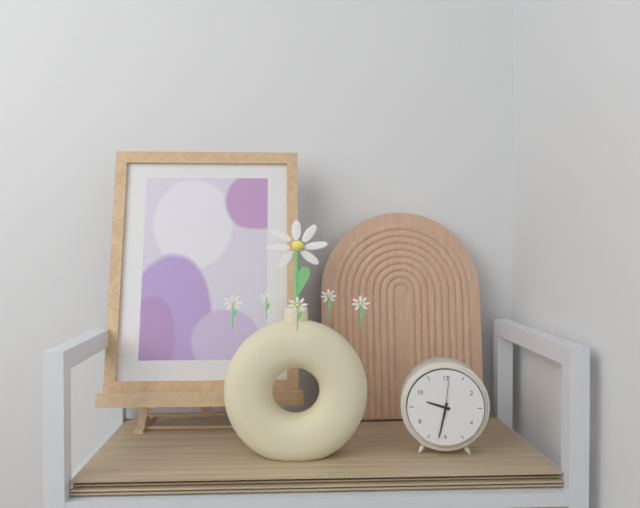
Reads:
{"hour": 9, "minute": 32}
